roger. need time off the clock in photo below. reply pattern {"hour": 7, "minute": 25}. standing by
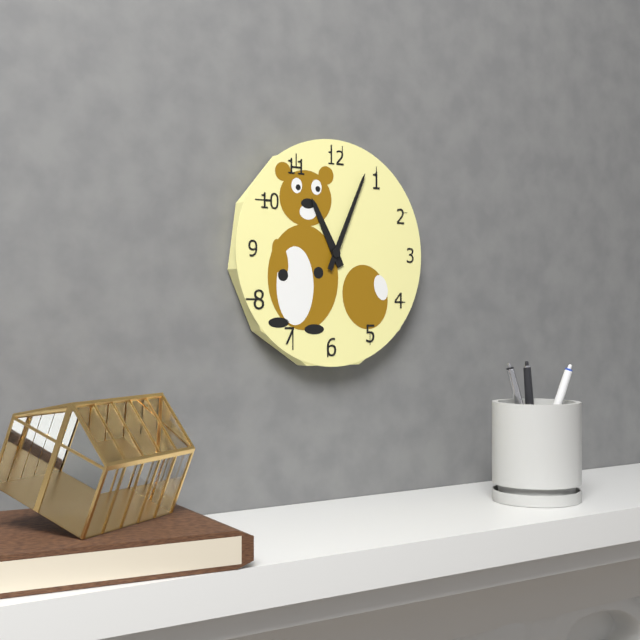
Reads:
{"hour": 11, "minute": 4}
